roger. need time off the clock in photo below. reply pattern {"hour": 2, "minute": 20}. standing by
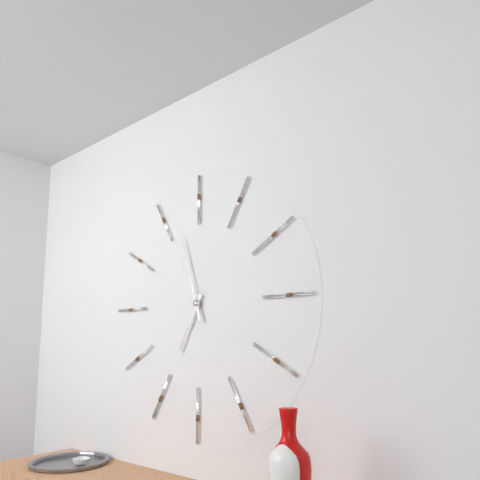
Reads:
{"hour": 6, "minute": 57}
